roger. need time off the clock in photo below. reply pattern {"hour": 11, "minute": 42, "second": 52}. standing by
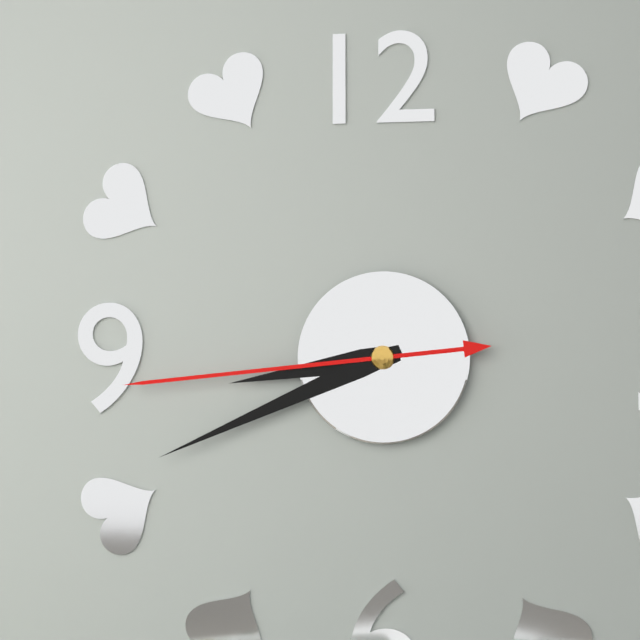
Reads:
{"hour": 8, "minute": 41, "second": 44}
